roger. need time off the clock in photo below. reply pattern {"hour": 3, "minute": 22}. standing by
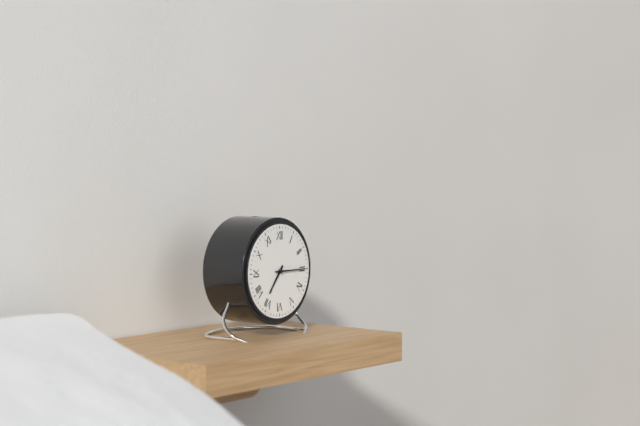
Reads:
{"hour": 7, "minute": 15}
